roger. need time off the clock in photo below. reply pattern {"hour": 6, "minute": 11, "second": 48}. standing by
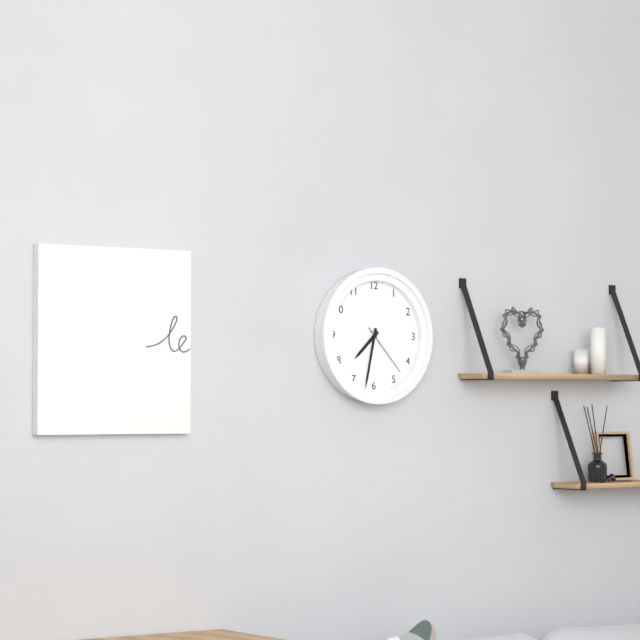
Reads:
{"hour": 7, "minute": 32, "second": 23}
